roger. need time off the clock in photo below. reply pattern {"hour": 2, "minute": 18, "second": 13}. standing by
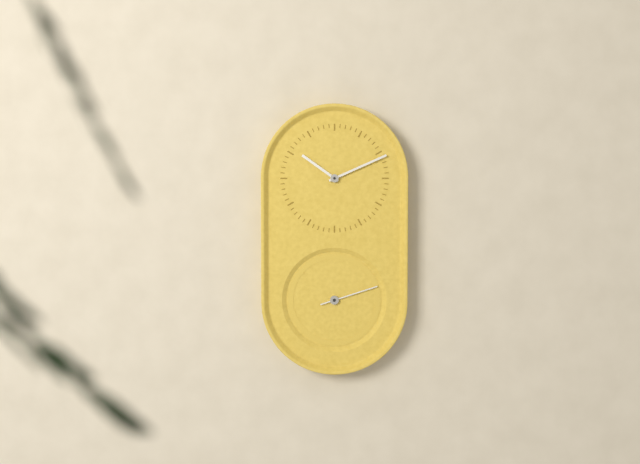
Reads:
{"hour": 10, "minute": 11, "second": 12}
